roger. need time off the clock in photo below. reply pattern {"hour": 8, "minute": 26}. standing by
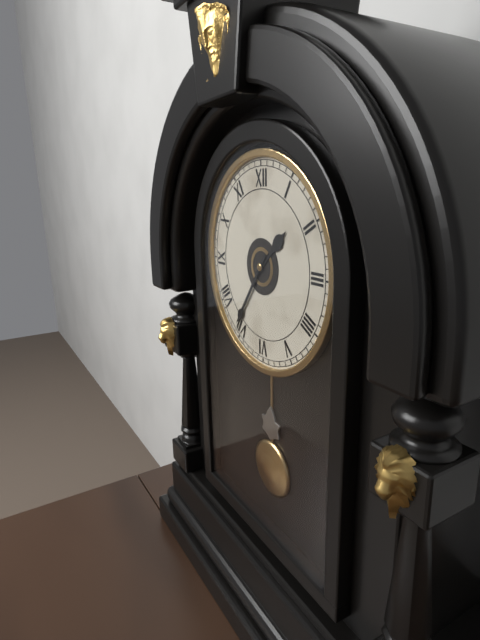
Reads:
{"hour": 1, "minute": 36}
